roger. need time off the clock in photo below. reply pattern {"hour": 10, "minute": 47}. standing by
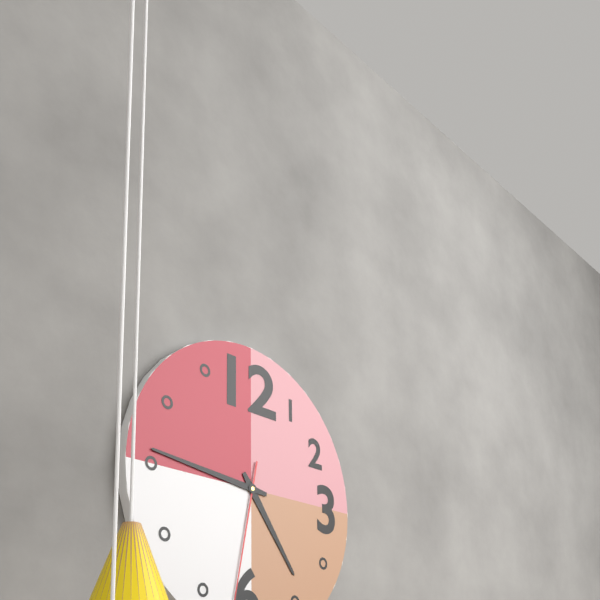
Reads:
{"hour": 4, "minute": 46}
